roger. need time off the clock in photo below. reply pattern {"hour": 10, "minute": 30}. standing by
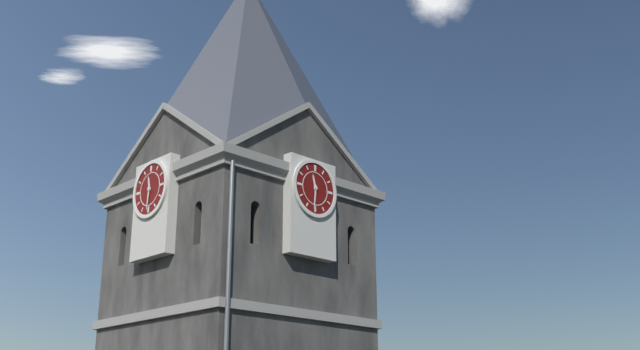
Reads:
{"hour": 11, "minute": 31}
